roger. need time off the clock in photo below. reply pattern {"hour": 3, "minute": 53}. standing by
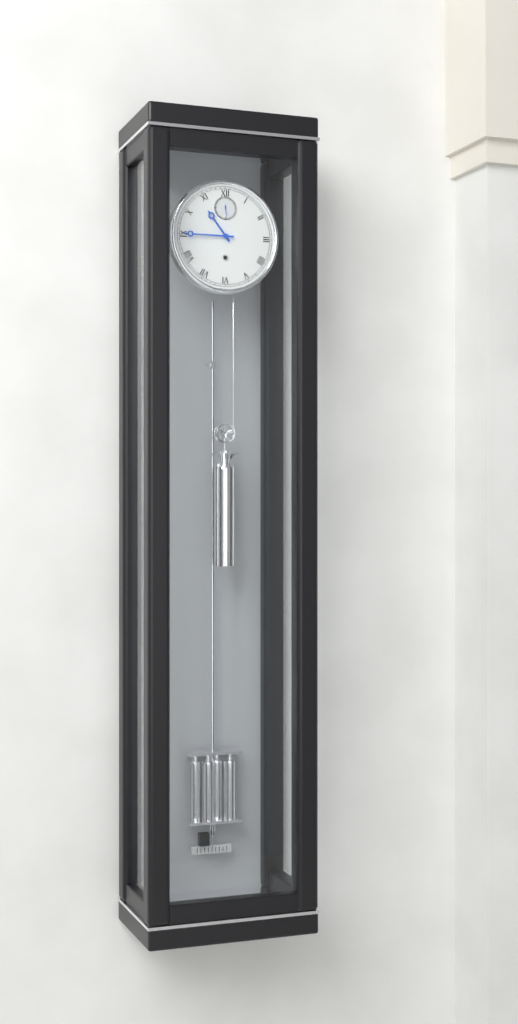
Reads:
{"hour": 10, "minute": 45}
